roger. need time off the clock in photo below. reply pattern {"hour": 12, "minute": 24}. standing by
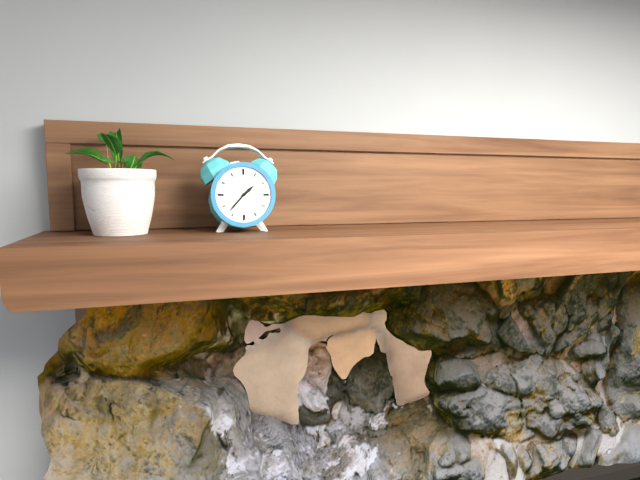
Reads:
{"hour": 1, "minute": 37}
